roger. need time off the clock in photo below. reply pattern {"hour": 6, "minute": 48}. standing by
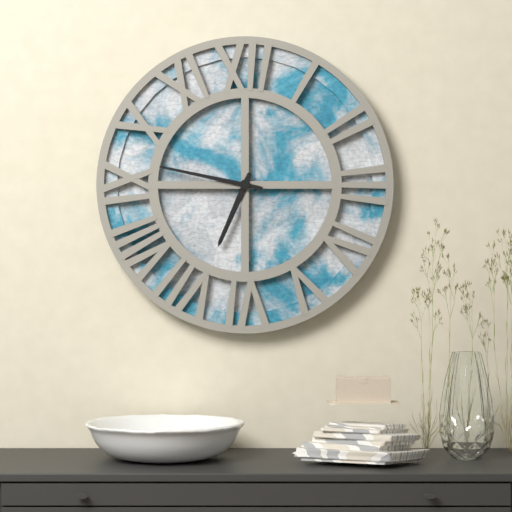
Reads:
{"hour": 6, "minute": 47}
